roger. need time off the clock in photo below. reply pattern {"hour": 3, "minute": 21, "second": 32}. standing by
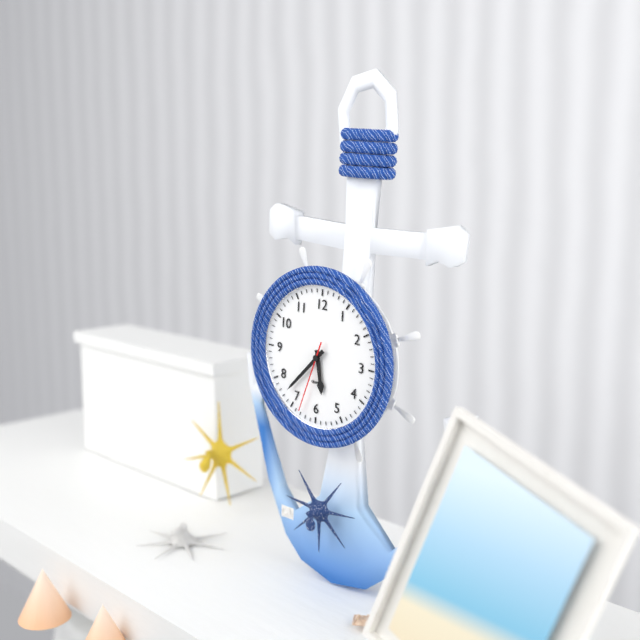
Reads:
{"hour": 5, "minute": 37, "second": 33}
